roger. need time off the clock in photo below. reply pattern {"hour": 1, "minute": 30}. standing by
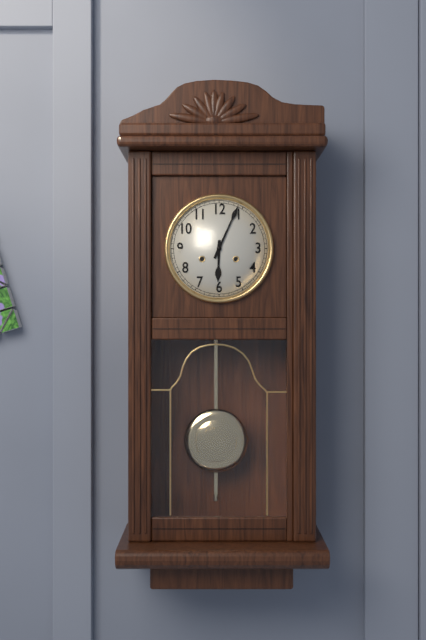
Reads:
{"hour": 6, "minute": 4}
